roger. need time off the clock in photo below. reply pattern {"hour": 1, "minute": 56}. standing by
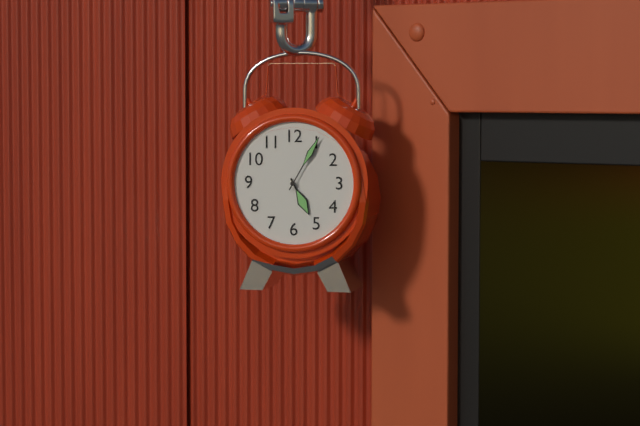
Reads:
{"hour": 5, "minute": 5}
